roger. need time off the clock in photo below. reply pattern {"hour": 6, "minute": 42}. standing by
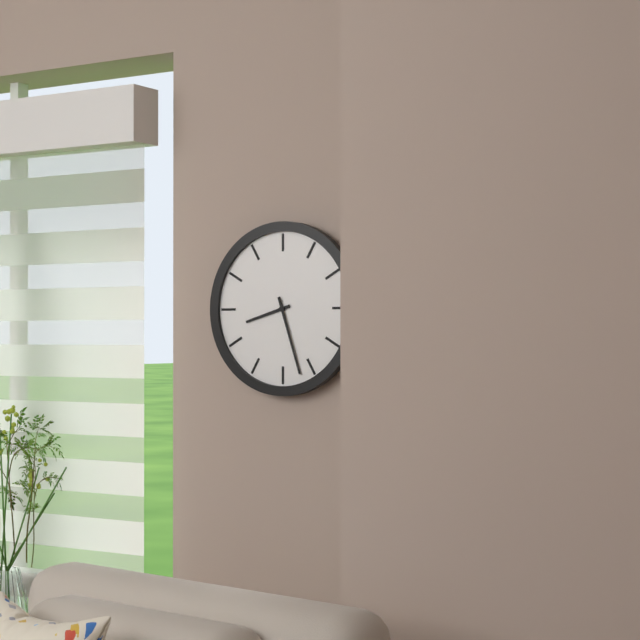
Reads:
{"hour": 8, "minute": 27}
